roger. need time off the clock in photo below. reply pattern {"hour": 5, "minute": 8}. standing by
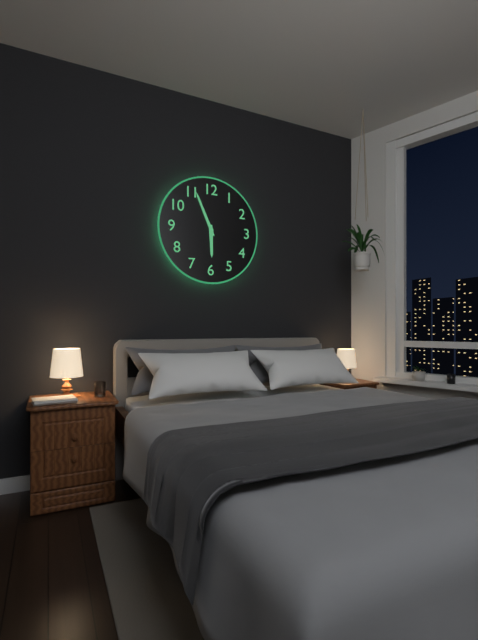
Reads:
{"hour": 5, "minute": 56}
